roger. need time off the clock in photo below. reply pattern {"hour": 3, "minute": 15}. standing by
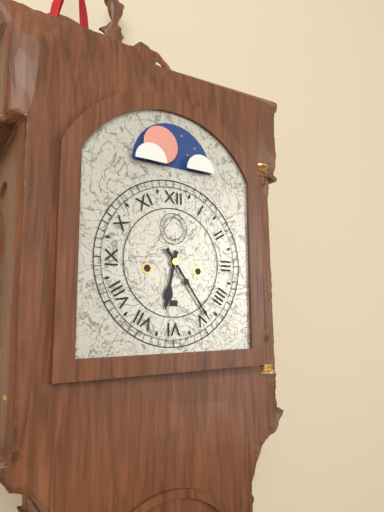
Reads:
{"hour": 6, "minute": 24}
